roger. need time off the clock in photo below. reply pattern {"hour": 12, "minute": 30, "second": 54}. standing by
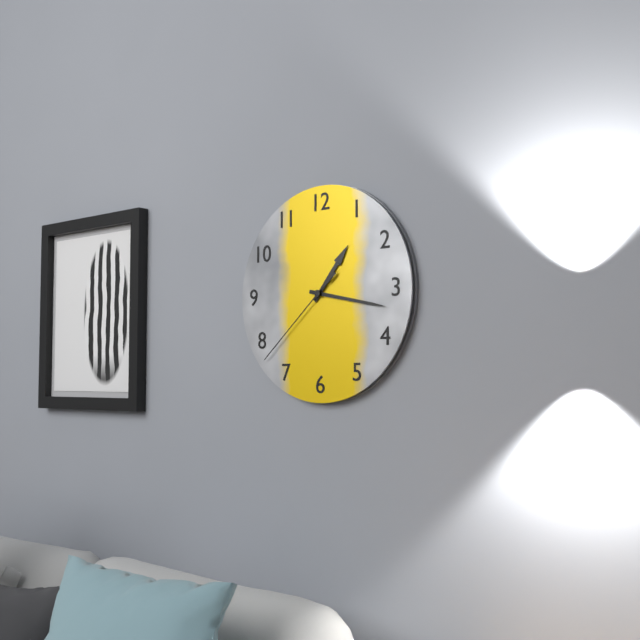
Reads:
{"hour": 1, "minute": 17, "second": 38}
